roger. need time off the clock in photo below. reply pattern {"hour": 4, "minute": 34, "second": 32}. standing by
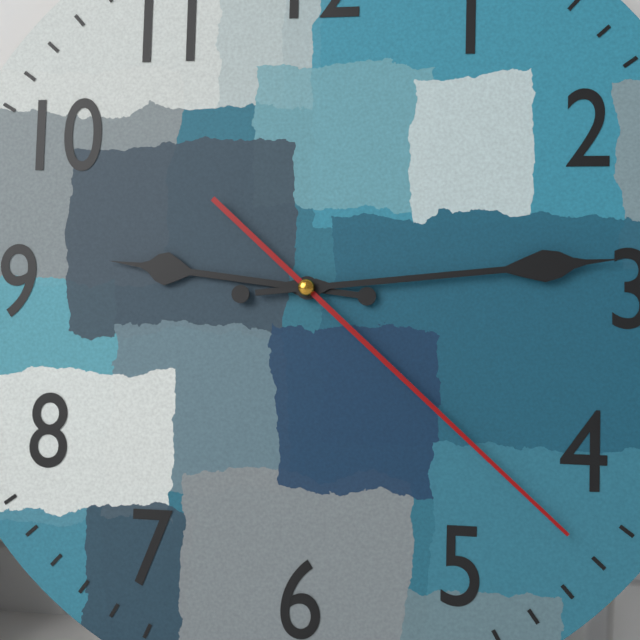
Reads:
{"hour": 9, "minute": 14, "second": 22}
